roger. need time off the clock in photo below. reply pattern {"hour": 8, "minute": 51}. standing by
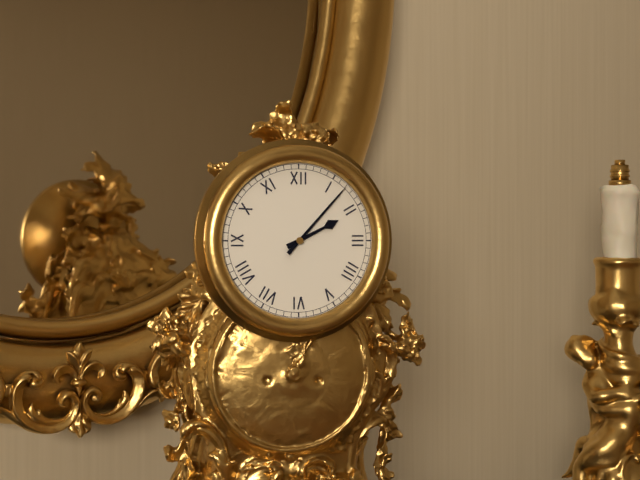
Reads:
{"hour": 2, "minute": 7}
